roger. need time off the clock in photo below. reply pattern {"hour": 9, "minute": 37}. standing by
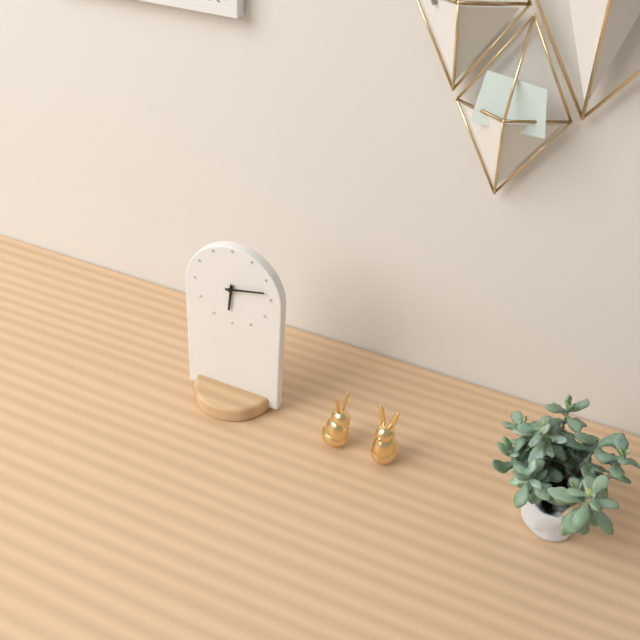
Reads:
{"hour": 6, "minute": 13}
